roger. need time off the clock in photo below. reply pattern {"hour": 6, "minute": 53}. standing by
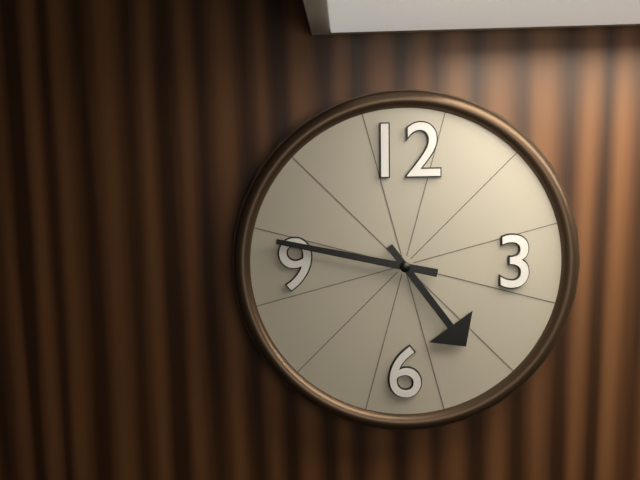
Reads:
{"hour": 4, "minute": 47}
